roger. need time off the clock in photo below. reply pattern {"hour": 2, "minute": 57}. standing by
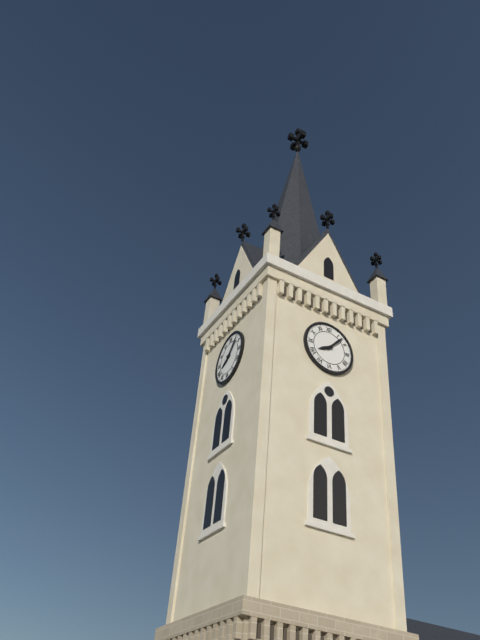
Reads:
{"hour": 8, "minute": 7}
